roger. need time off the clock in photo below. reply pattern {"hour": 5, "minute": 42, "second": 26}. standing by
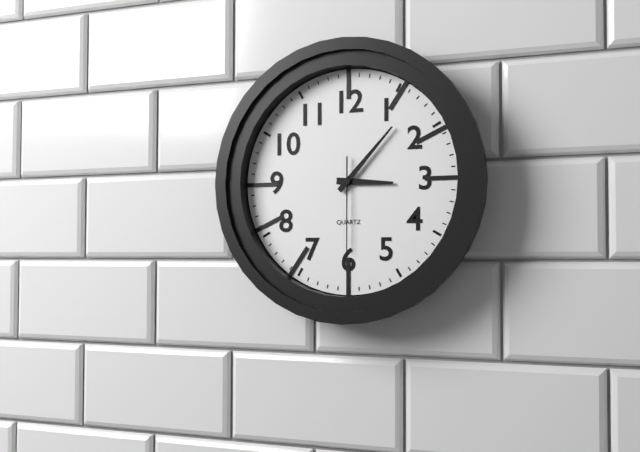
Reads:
{"hour": 3, "minute": 7, "second": 30}
